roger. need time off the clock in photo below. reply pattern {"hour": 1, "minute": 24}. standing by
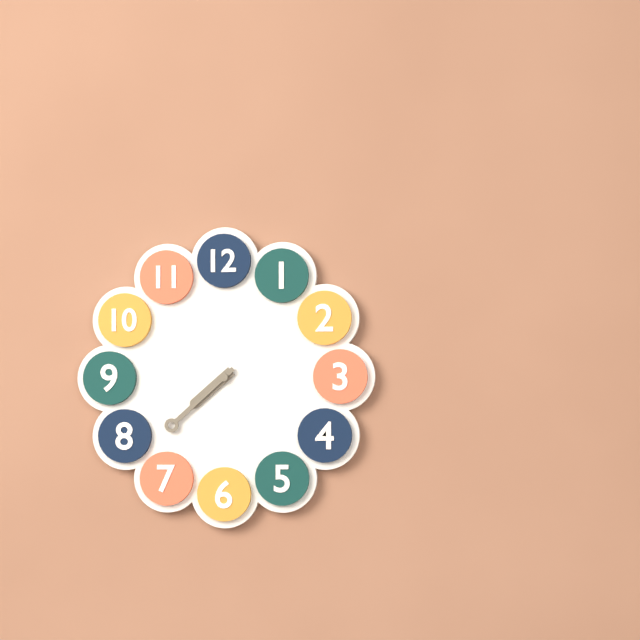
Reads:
{"hour": 7, "minute": 38}
